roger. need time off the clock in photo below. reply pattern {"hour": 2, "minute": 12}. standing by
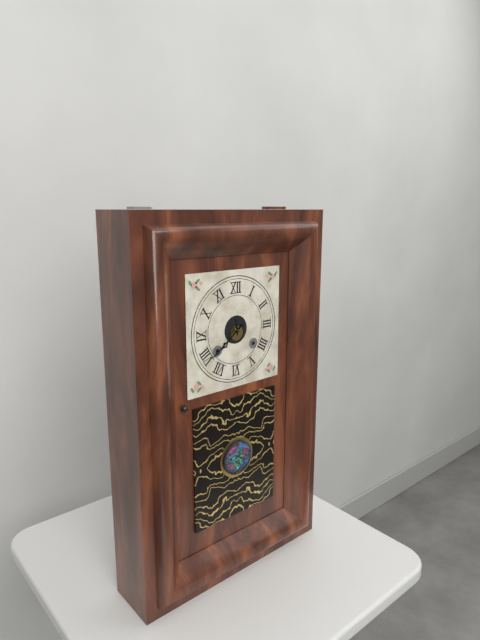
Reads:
{"hour": 7, "minute": 39}
